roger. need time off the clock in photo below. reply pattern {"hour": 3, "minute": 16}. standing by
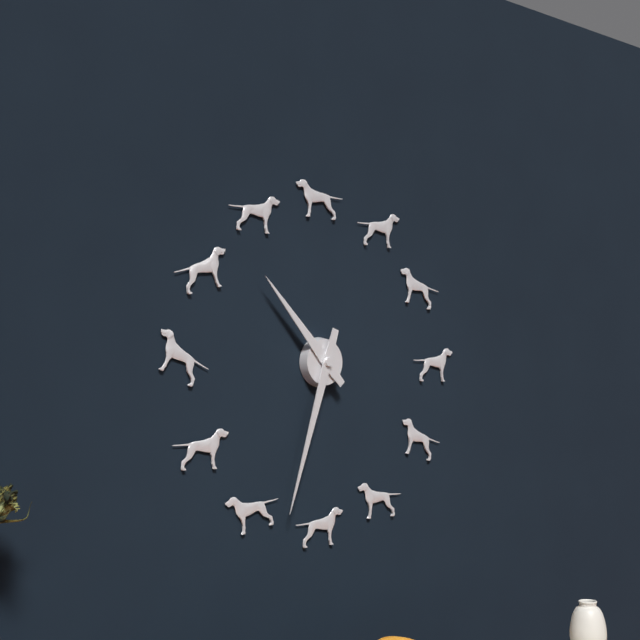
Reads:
{"hour": 10, "minute": 33}
